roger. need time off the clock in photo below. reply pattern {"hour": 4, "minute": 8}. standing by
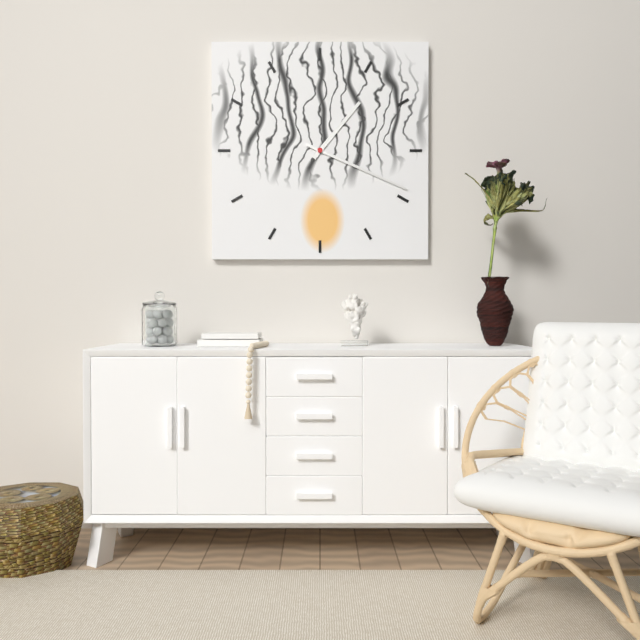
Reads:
{"hour": 1, "minute": 19}
